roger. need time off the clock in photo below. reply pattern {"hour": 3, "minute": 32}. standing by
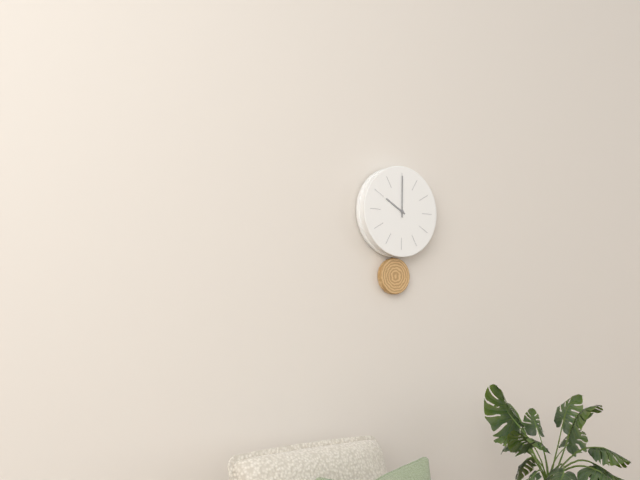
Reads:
{"hour": 10, "minute": 0}
